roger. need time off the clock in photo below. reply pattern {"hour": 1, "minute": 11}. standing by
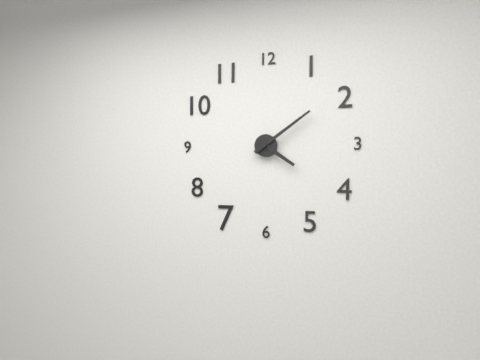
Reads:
{"hour": 4, "minute": 9}
